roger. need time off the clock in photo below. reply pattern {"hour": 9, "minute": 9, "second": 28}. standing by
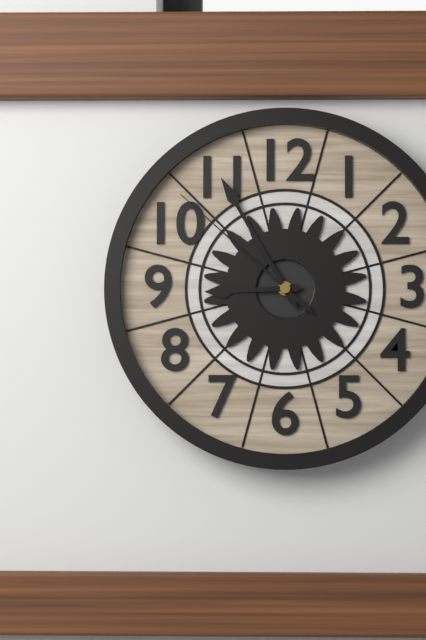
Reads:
{"hour": 8, "minute": 55, "second": 52}
